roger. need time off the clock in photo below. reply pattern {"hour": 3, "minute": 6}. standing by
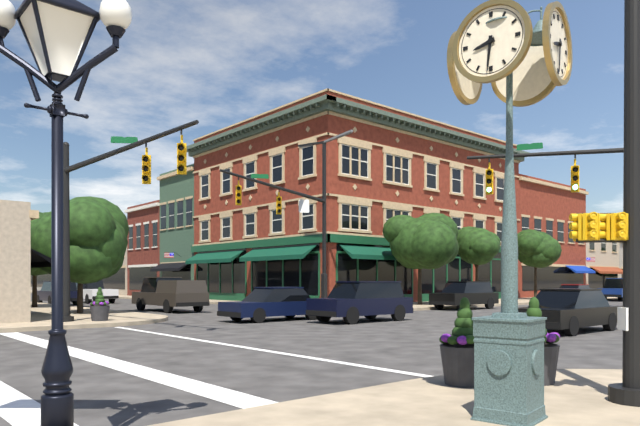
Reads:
{"hour": 8, "minute": 31}
